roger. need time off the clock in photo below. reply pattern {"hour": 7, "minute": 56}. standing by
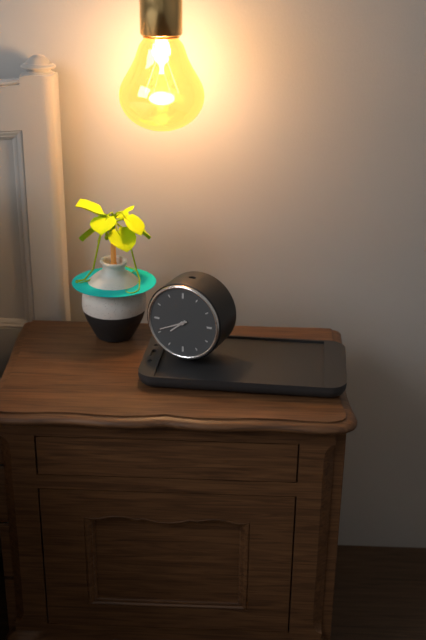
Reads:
{"hour": 7, "minute": 41}
